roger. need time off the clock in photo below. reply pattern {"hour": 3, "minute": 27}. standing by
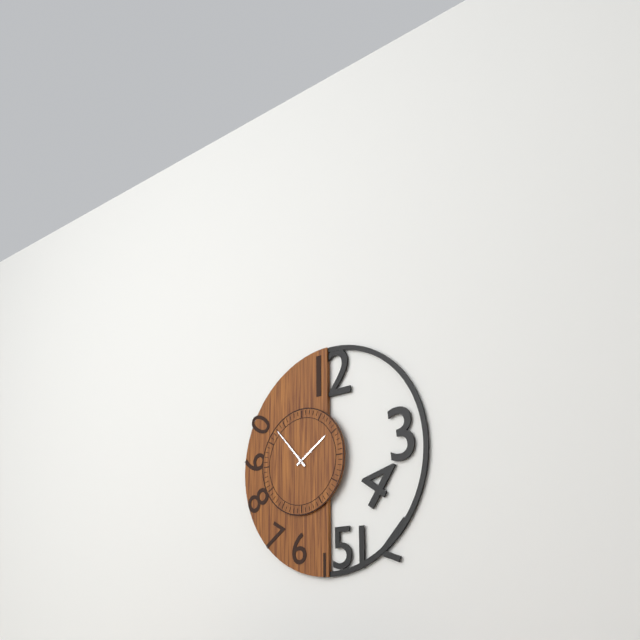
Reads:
{"hour": 1, "minute": 53}
